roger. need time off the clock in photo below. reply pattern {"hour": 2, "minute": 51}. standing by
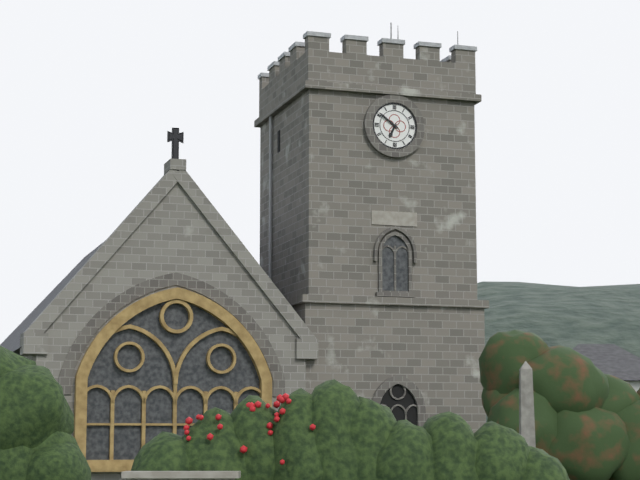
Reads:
{"hour": 6, "minute": 51}
